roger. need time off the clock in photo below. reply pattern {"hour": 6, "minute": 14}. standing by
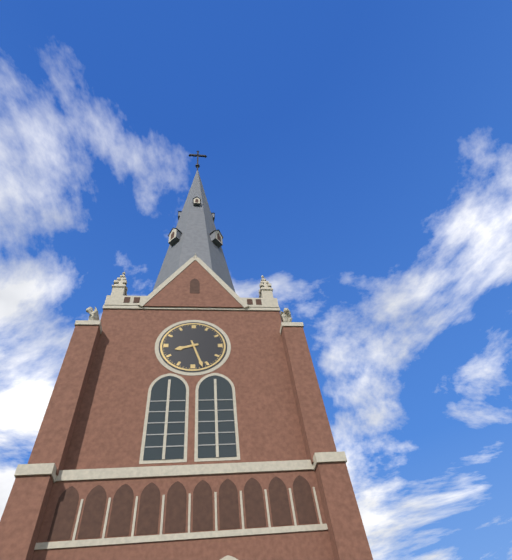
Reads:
{"hour": 8, "minute": 27}
